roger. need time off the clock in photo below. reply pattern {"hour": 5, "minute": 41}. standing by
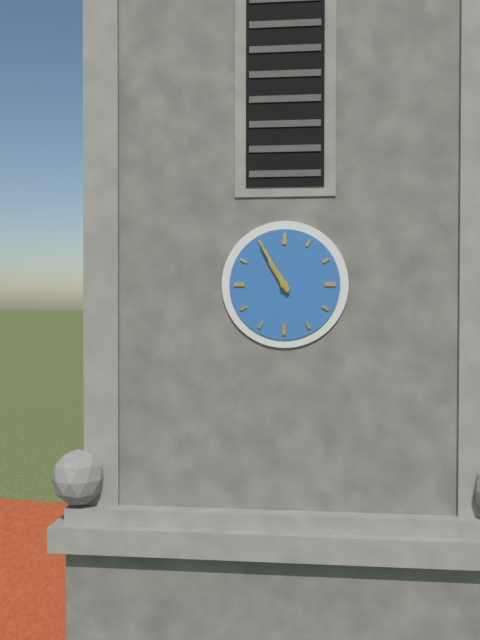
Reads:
{"hour": 10, "minute": 55}
